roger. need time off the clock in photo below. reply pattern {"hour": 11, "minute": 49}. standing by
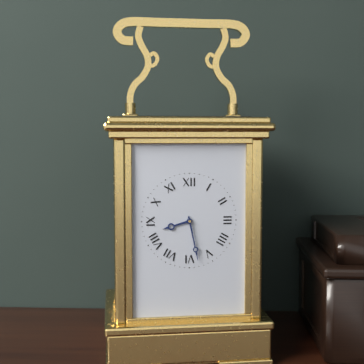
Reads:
{"hour": 8, "minute": 28}
